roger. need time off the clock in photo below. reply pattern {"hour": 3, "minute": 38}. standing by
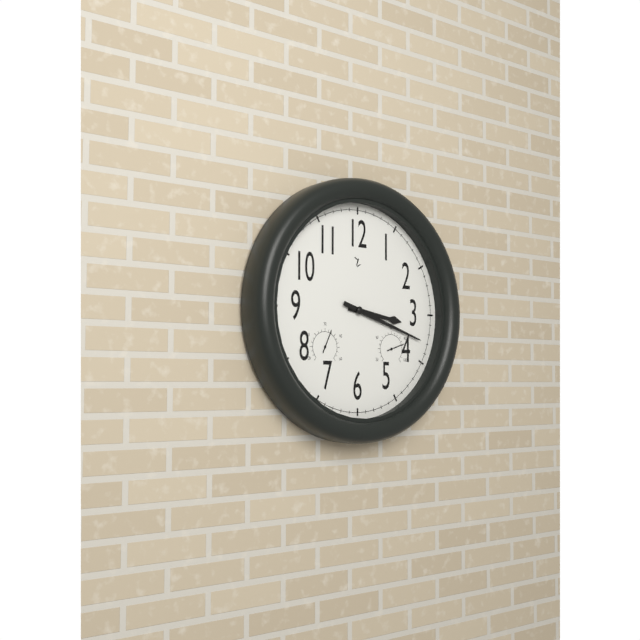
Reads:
{"hour": 3, "minute": 18}
